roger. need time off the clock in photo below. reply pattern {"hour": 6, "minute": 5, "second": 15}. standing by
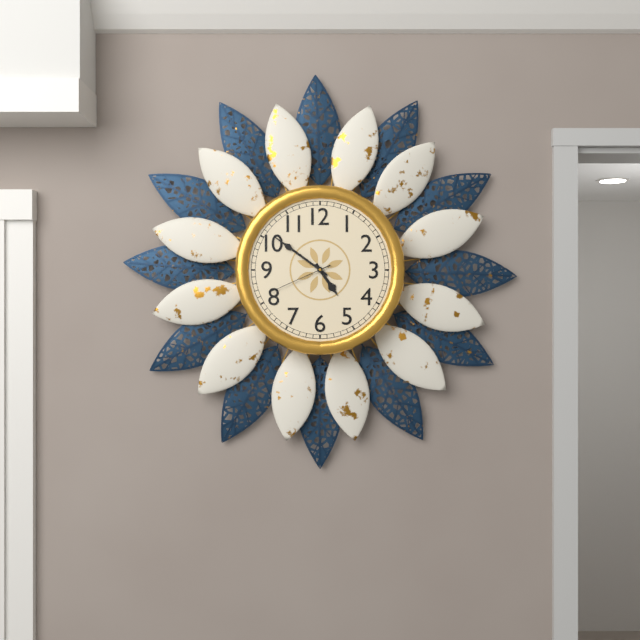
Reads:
{"hour": 4, "minute": 51, "second": 41}
